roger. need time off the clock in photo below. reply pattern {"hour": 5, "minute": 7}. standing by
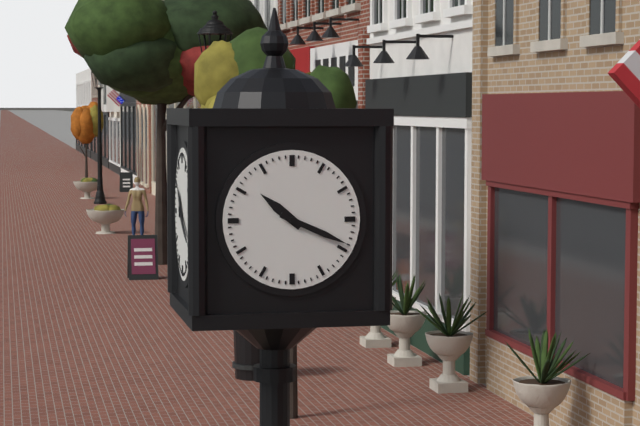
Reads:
{"hour": 10, "minute": 19}
